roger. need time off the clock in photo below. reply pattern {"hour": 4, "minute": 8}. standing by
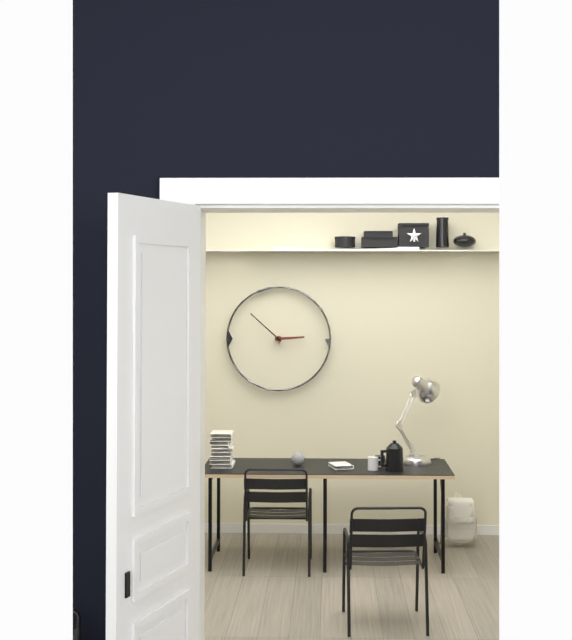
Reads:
{"hour": 2, "minute": 52}
